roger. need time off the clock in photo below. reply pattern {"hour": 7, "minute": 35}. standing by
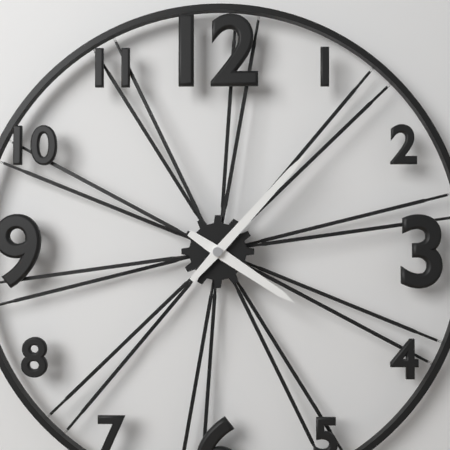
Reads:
{"hour": 4, "minute": 7}
